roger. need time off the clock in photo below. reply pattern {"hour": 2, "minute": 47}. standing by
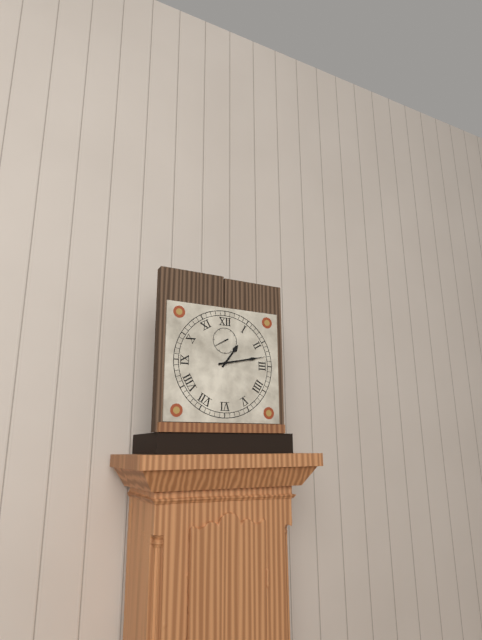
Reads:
{"hour": 1, "minute": 13}
